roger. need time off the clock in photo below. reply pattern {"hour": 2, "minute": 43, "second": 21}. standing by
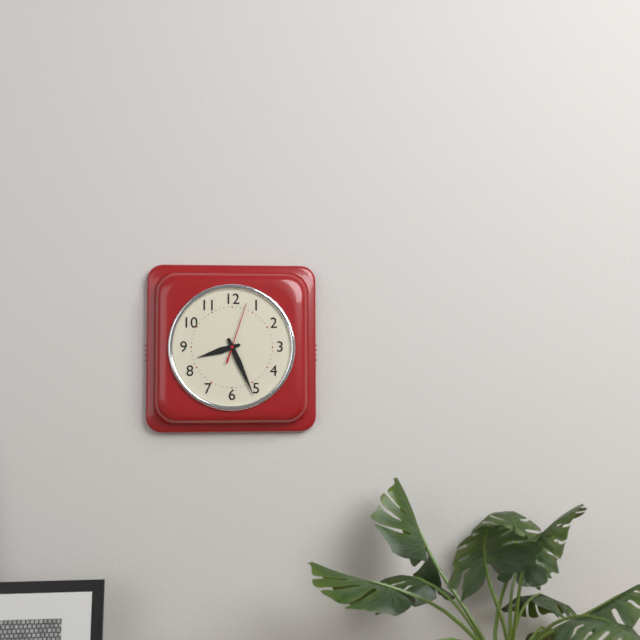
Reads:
{"hour": 8, "minute": 26, "second": 3}
